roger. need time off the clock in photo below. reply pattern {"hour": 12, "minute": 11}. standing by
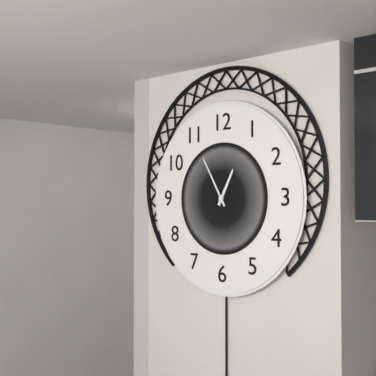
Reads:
{"hour": 12, "minute": 55}
